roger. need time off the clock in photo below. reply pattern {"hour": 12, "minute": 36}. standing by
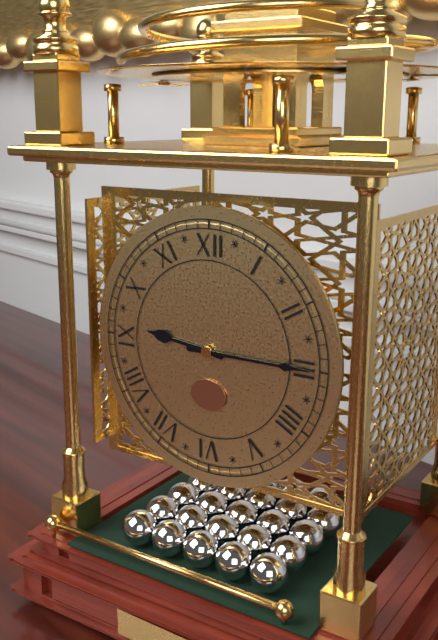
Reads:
{"hour": 9, "minute": 15}
